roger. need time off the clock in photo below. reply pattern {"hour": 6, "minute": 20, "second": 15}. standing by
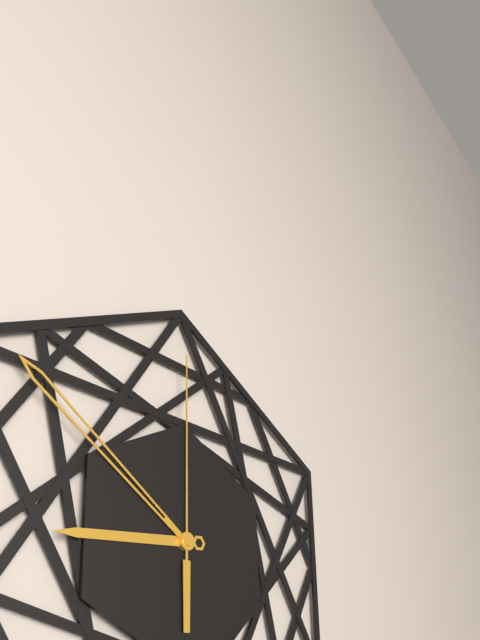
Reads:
{"hour": 8, "minute": 51, "second": 0}
